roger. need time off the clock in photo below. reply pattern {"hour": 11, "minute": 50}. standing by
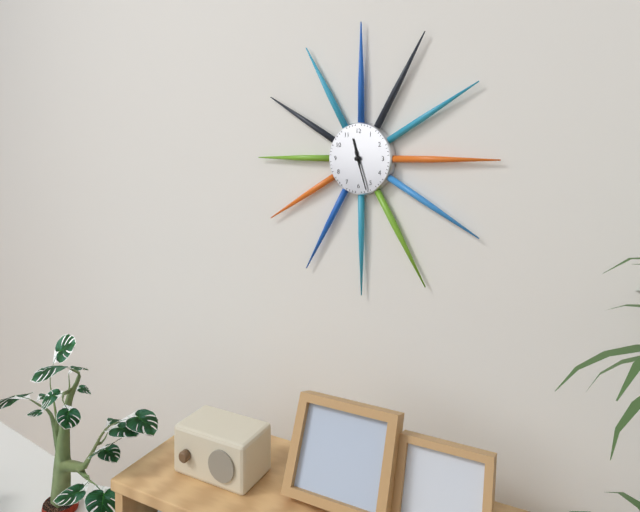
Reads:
{"hour": 11, "minute": 27}
